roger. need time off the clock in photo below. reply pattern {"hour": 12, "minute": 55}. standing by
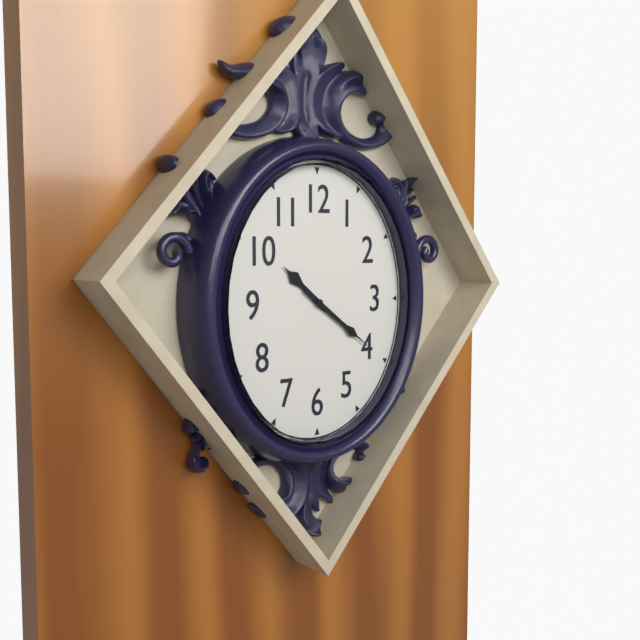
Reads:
{"hour": 10, "minute": 21}
